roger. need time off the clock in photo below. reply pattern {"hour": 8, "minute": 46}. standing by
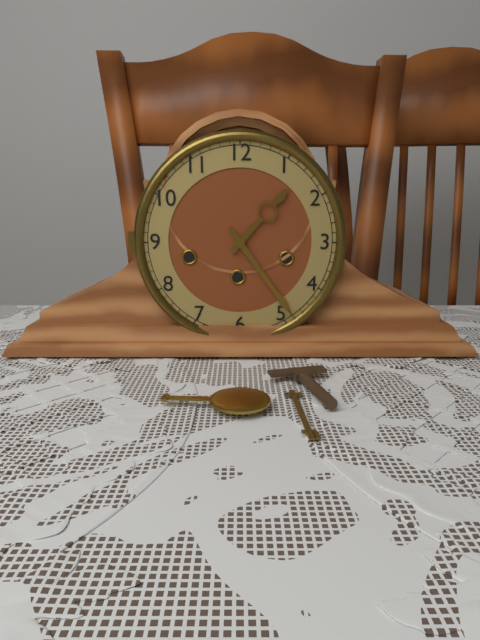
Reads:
{"hour": 1, "minute": 24}
